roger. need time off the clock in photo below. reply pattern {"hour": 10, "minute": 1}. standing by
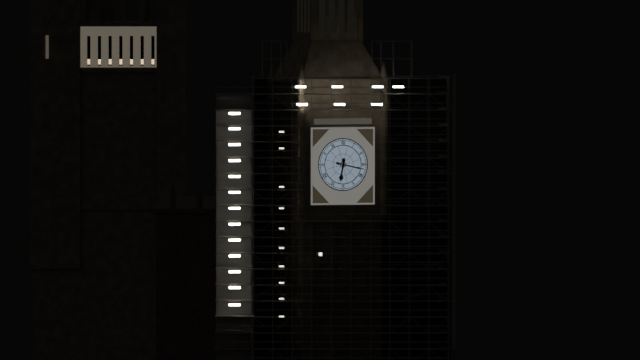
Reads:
{"hour": 6, "minute": 17}
